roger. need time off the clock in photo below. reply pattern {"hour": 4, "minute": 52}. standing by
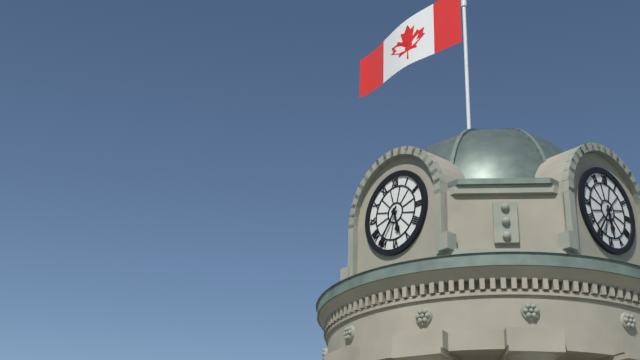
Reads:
{"hour": 5, "minute": 36}
